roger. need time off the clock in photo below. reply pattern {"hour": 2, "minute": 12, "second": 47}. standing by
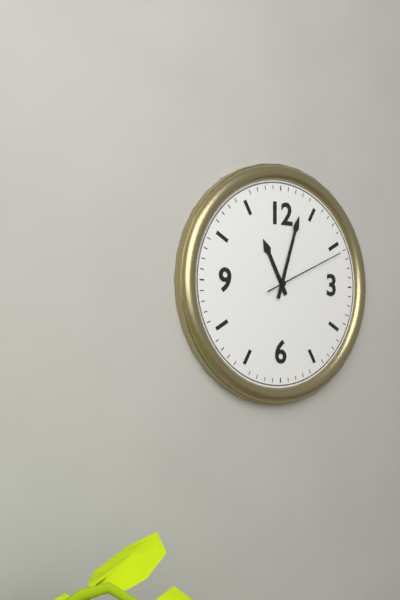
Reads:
{"hour": 11, "minute": 3, "second": 11}
